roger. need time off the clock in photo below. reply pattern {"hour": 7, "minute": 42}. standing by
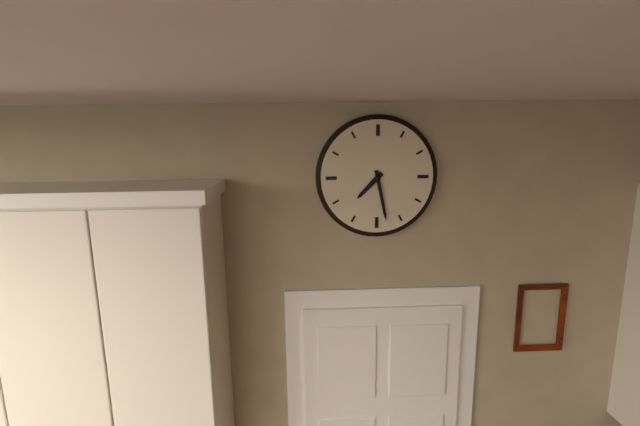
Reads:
{"hour": 7, "minute": 28}
